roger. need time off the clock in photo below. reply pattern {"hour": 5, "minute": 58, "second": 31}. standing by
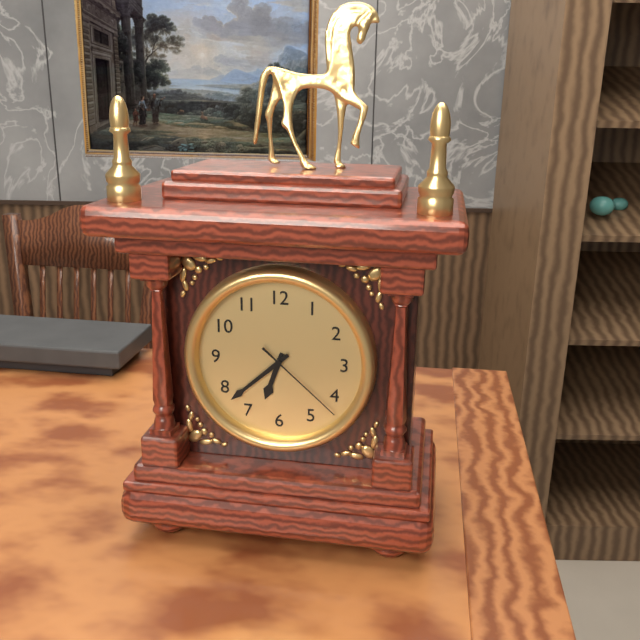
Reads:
{"hour": 6, "minute": 38, "second": 22}
